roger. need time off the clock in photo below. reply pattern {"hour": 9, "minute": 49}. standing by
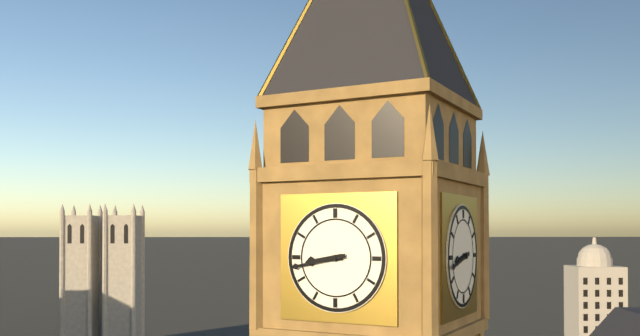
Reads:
{"hour": 8, "minute": 43}
